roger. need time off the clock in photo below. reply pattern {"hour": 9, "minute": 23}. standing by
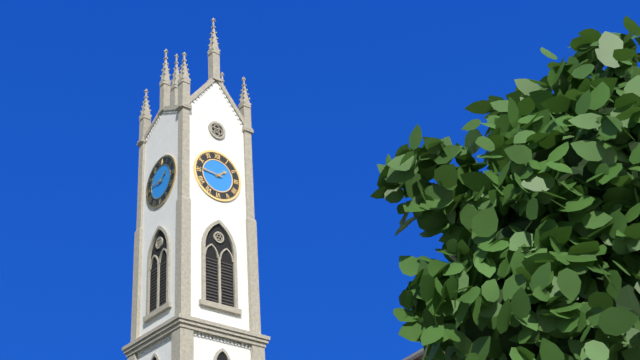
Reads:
{"hour": 1, "minute": 46}
